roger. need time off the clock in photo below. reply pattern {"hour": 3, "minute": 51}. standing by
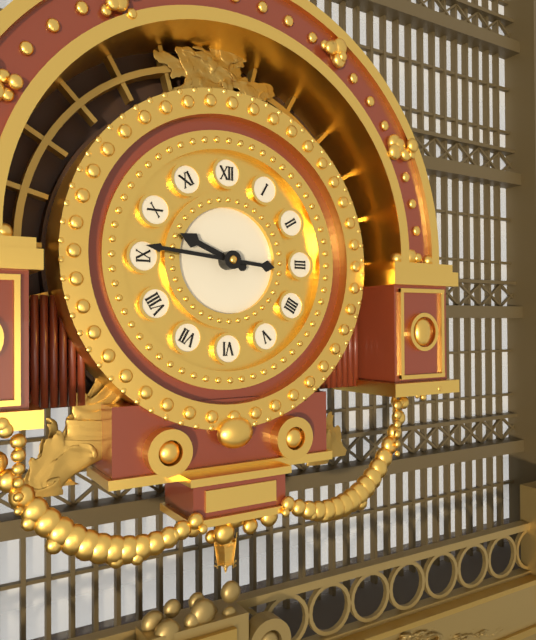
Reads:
{"hour": 9, "minute": 46}
